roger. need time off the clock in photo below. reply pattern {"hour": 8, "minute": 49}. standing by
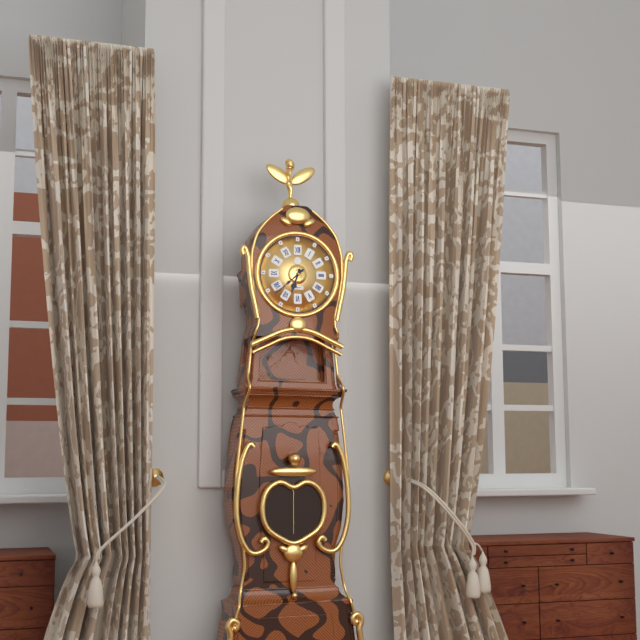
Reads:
{"hour": 6, "minute": 38}
